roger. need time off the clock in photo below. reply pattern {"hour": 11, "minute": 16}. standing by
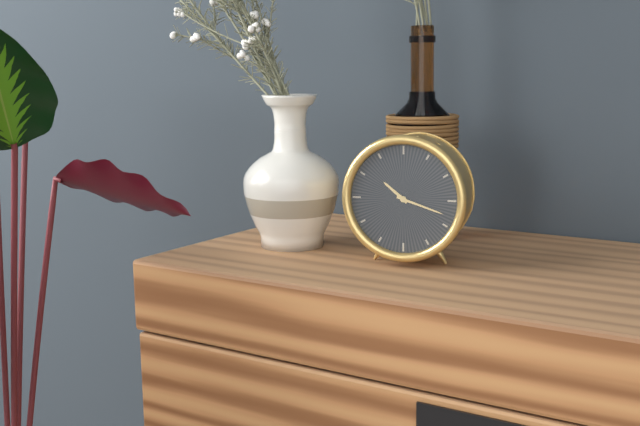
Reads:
{"hour": 10, "minute": 18}
